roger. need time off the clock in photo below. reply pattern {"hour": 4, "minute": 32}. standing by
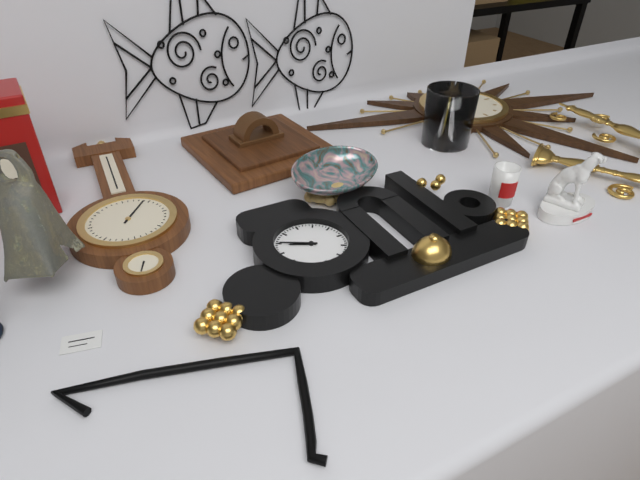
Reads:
{"hour": 9, "minute": 50}
